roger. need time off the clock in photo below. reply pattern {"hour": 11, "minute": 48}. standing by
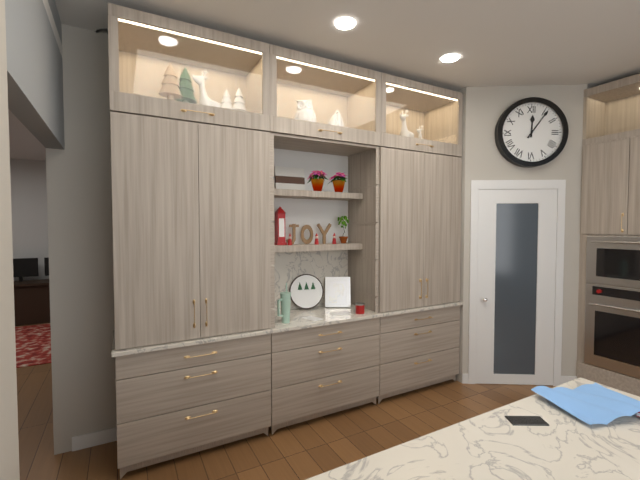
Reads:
{"hour": 12, "minute": 6}
